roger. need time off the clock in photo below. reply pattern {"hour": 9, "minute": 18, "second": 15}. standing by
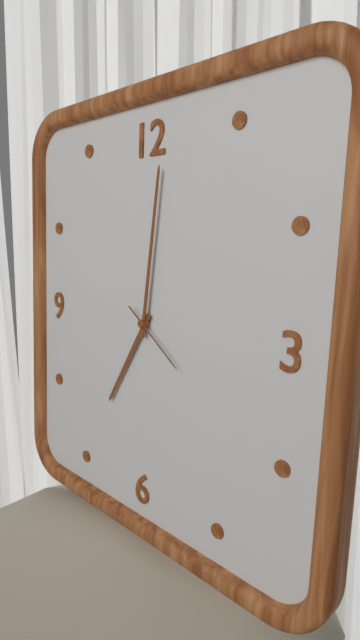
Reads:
{"hour": 7, "minute": 1, "second": 21}
